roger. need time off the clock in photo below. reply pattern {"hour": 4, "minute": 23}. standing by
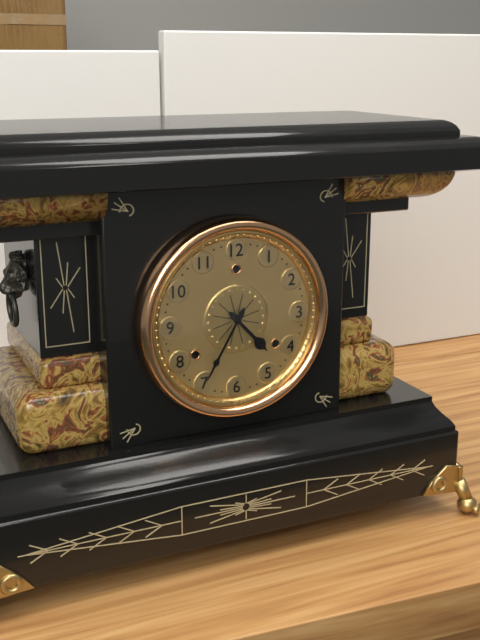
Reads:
{"hour": 4, "minute": 35}
